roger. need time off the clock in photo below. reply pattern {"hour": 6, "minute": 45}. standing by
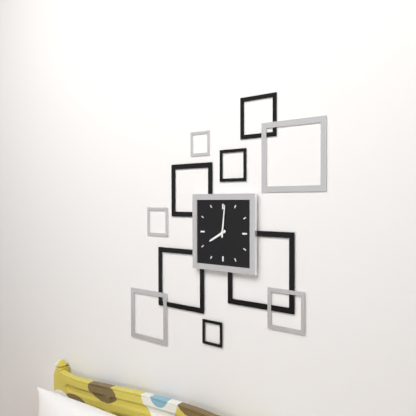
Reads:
{"hour": 8, "minute": 1}
